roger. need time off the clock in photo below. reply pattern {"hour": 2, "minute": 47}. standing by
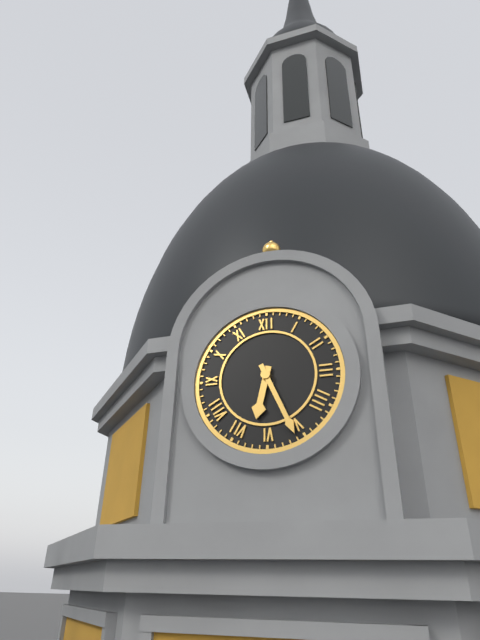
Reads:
{"hour": 6, "minute": 26}
